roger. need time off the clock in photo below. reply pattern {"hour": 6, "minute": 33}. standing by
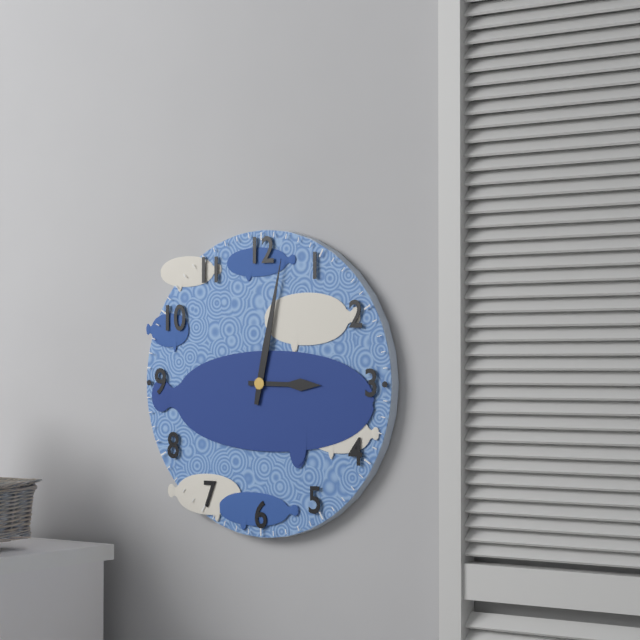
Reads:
{"hour": 3, "minute": 2}
